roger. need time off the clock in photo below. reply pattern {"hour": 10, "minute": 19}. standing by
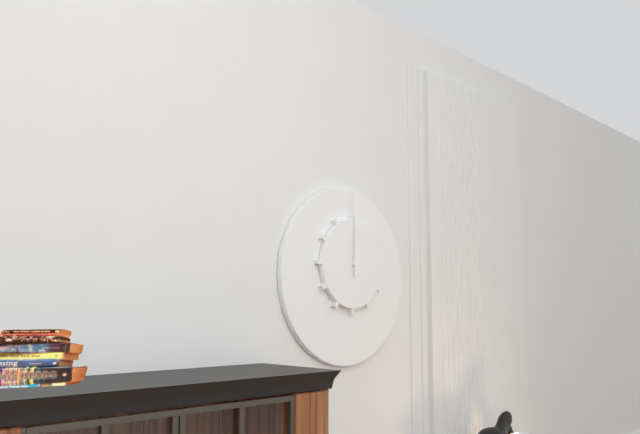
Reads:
{"hour": 12, "minute": 0}
